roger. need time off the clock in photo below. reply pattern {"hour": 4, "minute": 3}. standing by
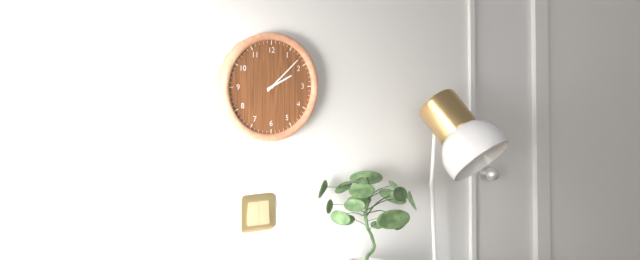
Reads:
{"hour": 2, "minute": 8}
